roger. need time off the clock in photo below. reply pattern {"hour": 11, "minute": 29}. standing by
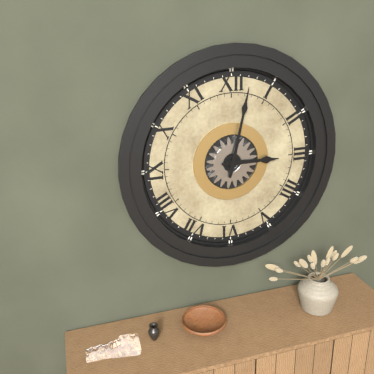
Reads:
{"hour": 3, "minute": 2}
